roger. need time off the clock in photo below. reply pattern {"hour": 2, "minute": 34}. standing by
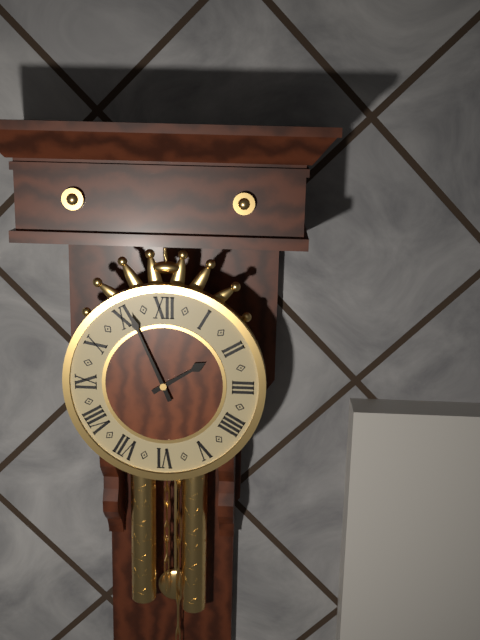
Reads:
{"hour": 1, "minute": 56}
